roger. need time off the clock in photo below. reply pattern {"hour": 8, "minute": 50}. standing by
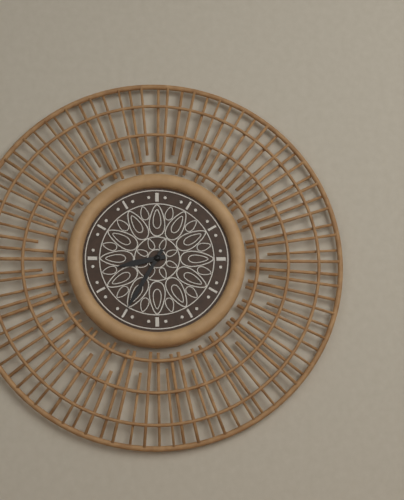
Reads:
{"hour": 8, "minute": 35}
